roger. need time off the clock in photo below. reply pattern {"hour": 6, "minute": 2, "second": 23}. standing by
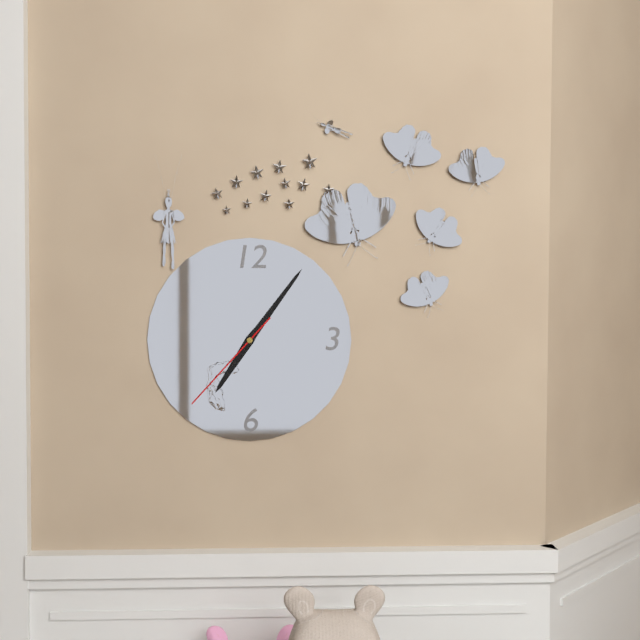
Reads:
{"hour": 7, "minute": 6, "second": 37}
